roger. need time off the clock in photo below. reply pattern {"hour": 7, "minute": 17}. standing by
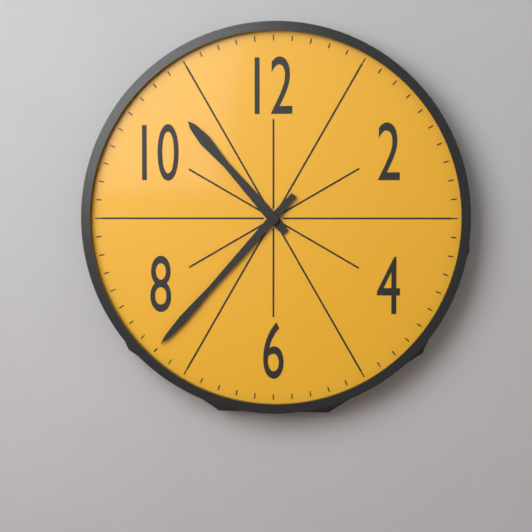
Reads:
{"hour": 10, "minute": 37}
